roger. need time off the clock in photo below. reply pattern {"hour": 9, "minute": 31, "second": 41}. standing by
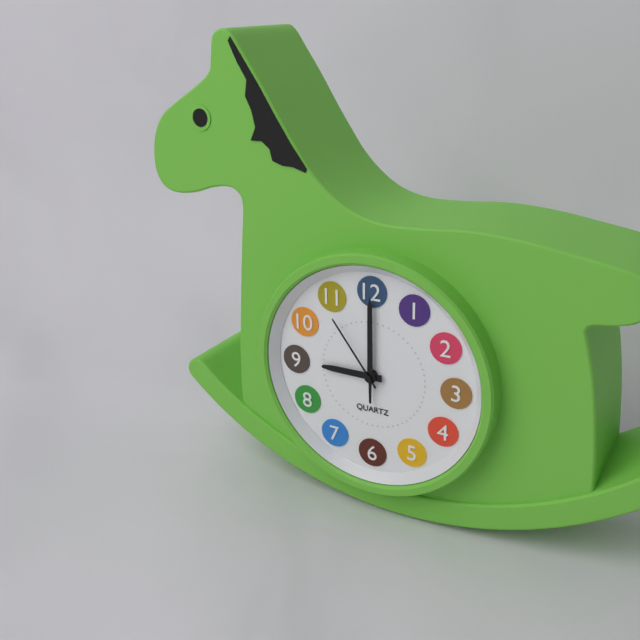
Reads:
{"hour": 9, "minute": 0, "second": 54}
